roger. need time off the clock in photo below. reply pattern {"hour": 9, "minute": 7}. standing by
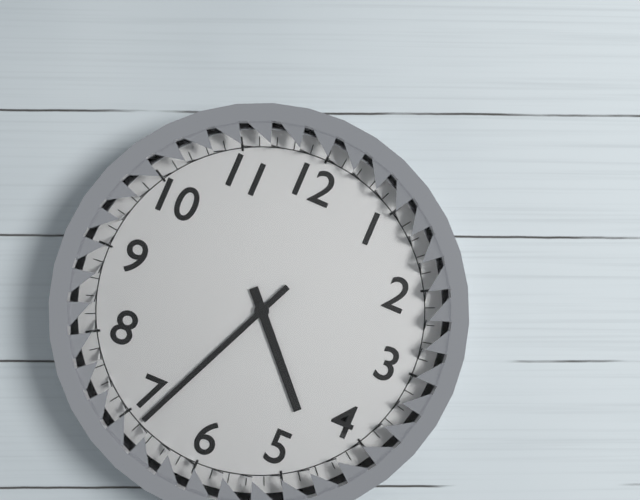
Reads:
{"hour": 4, "minute": 34}
